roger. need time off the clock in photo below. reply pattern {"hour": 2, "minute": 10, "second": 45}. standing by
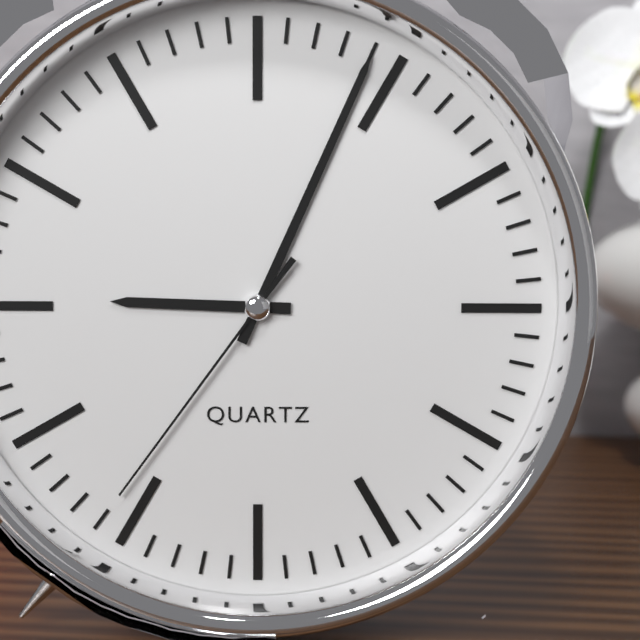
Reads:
{"hour": 9, "minute": 4, "second": 36}
